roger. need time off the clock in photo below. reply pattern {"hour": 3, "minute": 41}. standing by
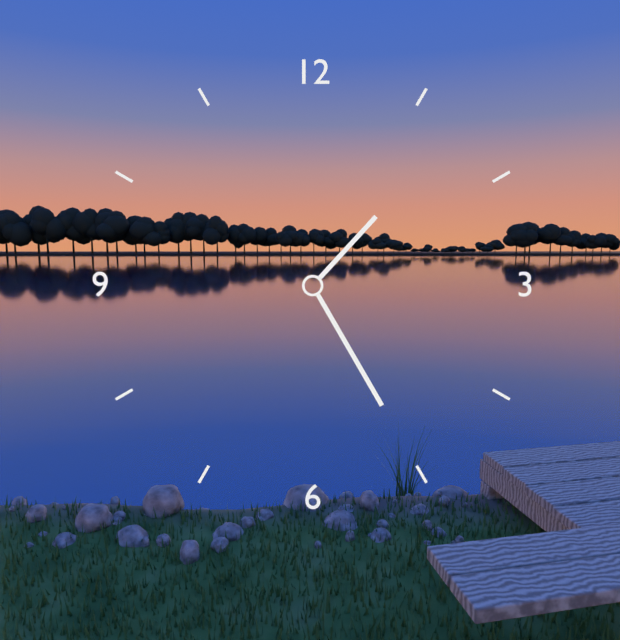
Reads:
{"hour": 1, "minute": 25}
